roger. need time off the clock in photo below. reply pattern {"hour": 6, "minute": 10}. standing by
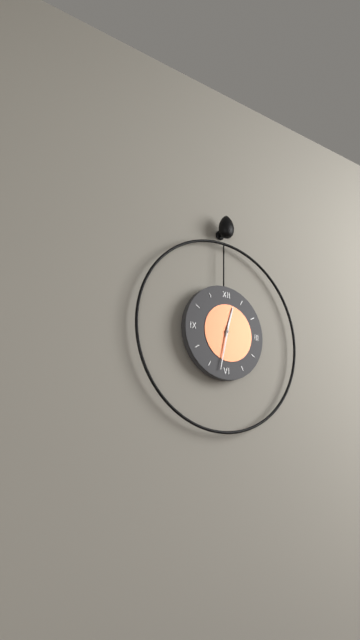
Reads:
{"hour": 12, "minute": 32}
